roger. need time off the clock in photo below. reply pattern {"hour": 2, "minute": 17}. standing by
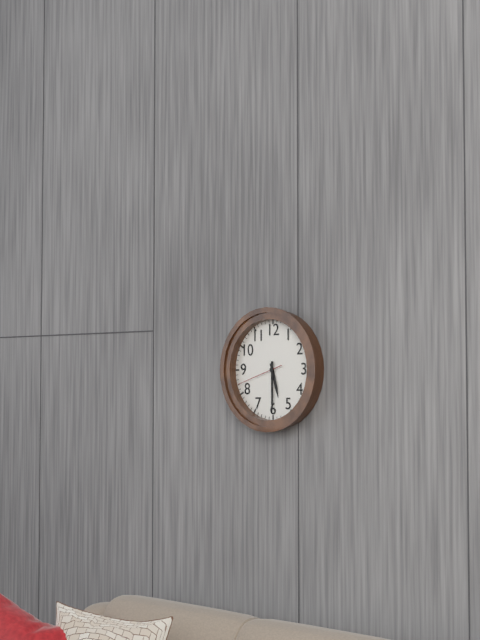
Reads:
{"hour": 5, "minute": 30}
